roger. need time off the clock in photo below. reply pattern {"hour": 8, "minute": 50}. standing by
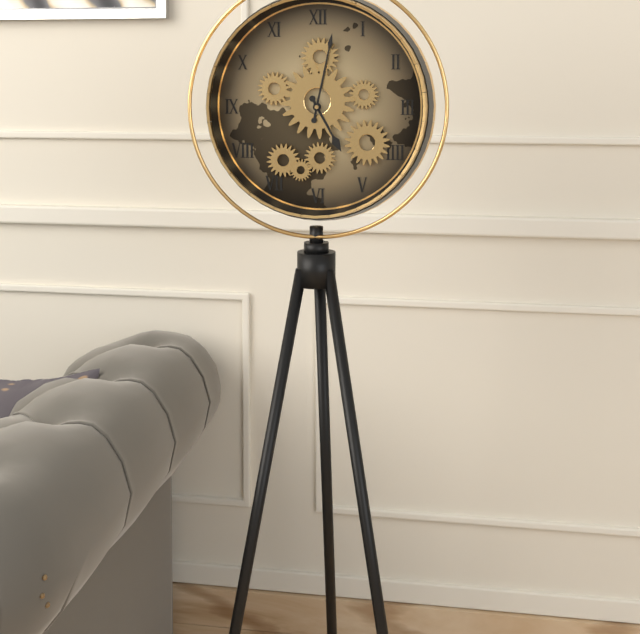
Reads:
{"hour": 5, "minute": 2}
